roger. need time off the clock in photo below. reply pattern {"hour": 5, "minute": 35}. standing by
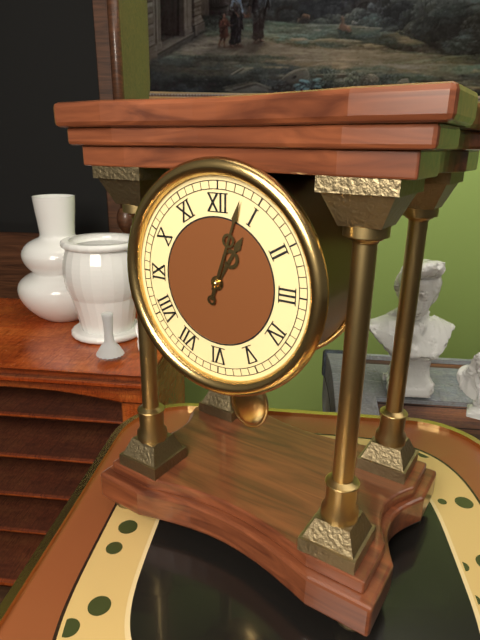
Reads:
{"hour": 1, "minute": 3}
